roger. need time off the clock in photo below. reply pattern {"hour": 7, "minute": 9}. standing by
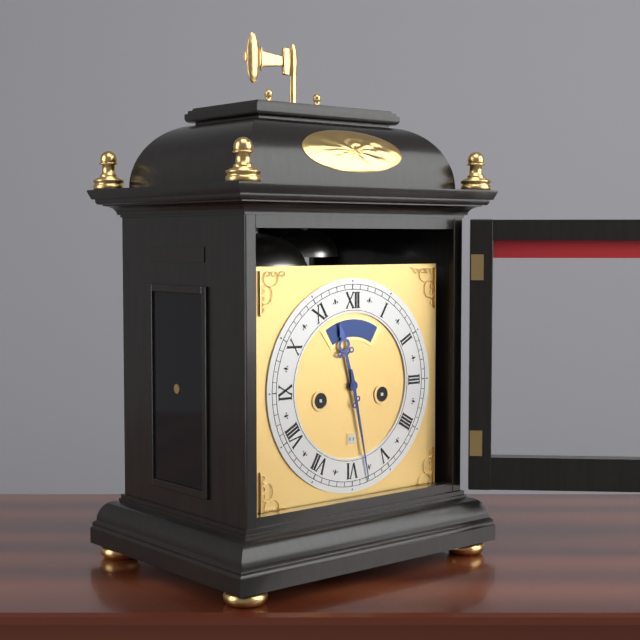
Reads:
{"hour": 11, "minute": 28}
